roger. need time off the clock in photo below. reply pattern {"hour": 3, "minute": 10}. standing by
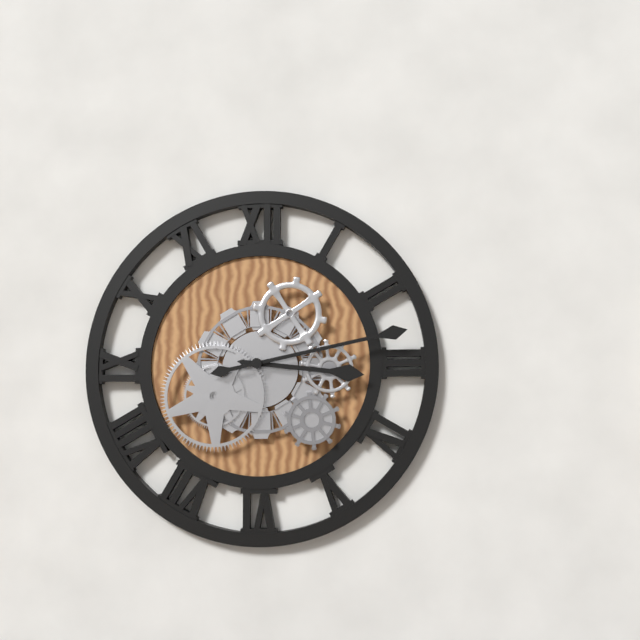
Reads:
{"hour": 3, "minute": 13}
